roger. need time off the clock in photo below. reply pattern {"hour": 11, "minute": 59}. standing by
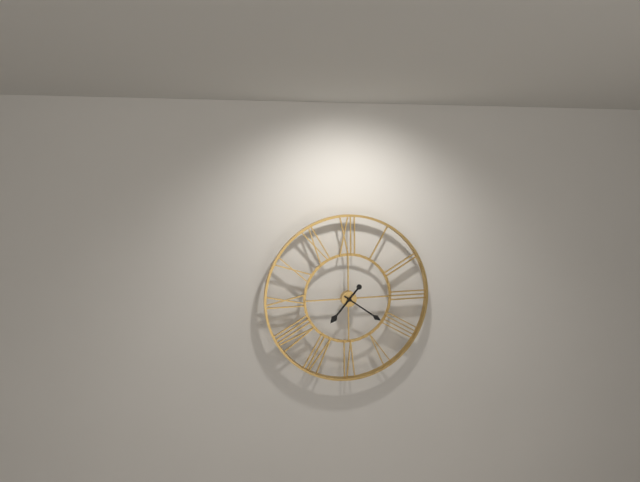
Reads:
{"hour": 7, "minute": 21}
